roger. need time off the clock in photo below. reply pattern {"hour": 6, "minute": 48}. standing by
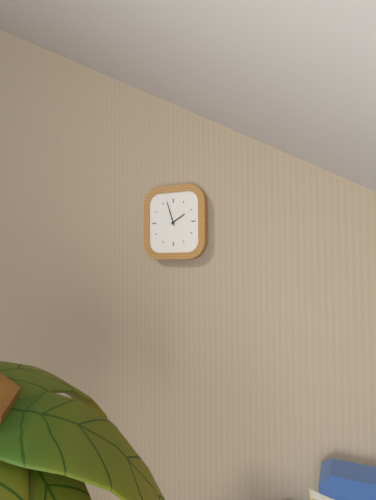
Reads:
{"hour": 1, "minute": 57}
